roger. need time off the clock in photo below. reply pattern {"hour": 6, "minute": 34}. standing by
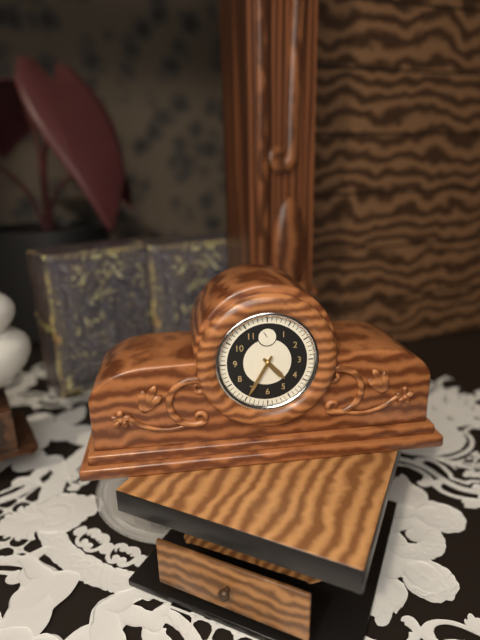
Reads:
{"hour": 4, "minute": 35}
